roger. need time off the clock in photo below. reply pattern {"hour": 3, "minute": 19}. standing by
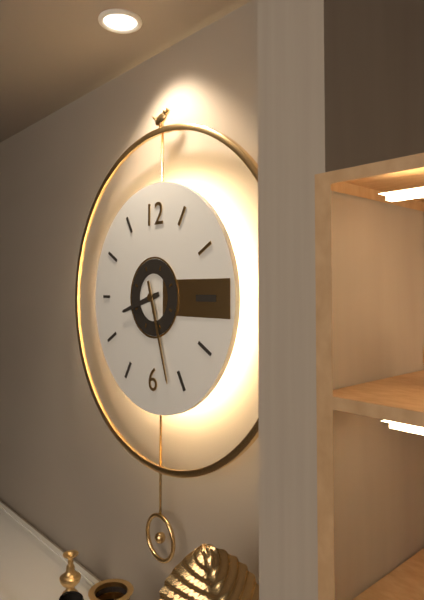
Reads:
{"hour": 8, "minute": 27}
